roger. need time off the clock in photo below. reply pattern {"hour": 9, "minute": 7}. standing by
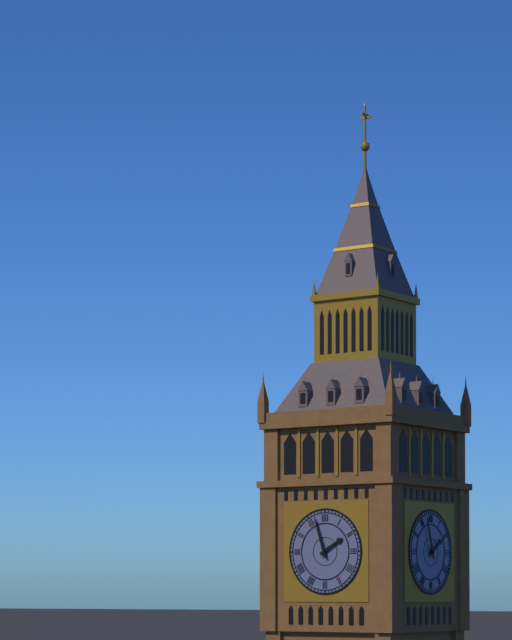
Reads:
{"hour": 1, "minute": 57}
